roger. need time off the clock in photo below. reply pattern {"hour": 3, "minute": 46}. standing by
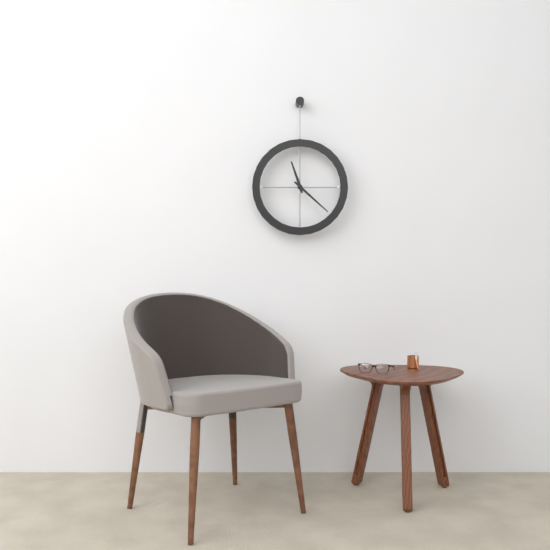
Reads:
{"hour": 11, "minute": 22}
